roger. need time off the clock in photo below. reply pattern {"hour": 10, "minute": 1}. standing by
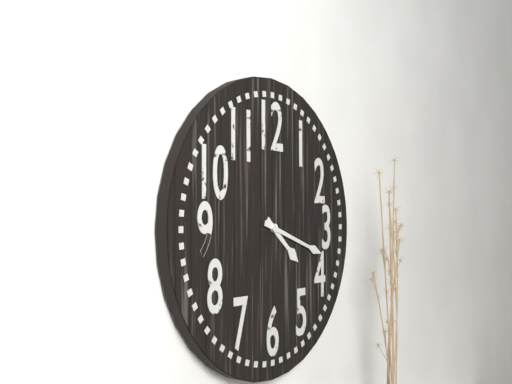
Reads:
{"hour": 4, "minute": 18}
